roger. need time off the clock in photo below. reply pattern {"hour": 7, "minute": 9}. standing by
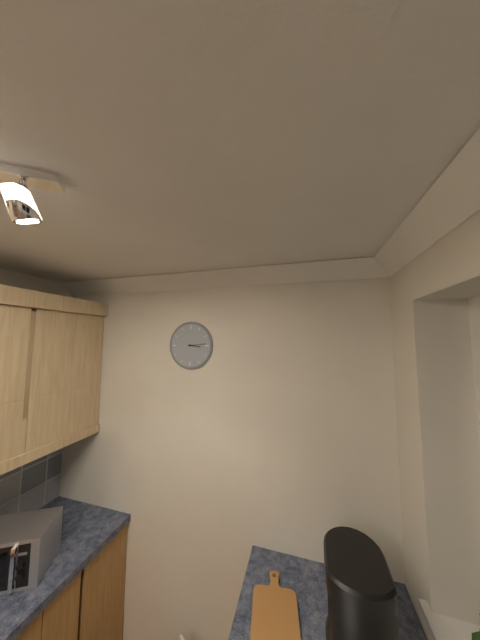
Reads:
{"hour": 3, "minute": 14}
